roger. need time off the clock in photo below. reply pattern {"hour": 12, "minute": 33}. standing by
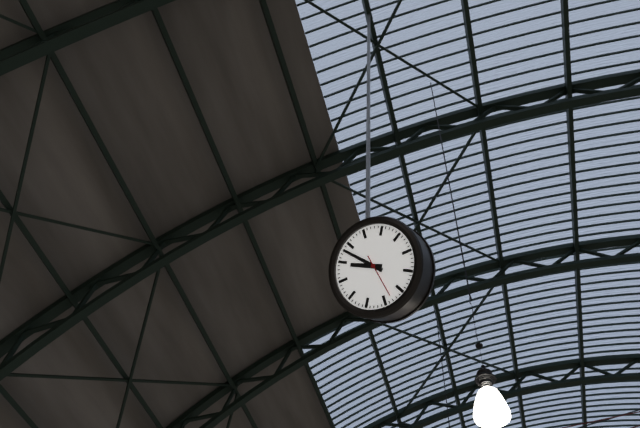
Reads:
{"hour": 9, "minute": 53}
